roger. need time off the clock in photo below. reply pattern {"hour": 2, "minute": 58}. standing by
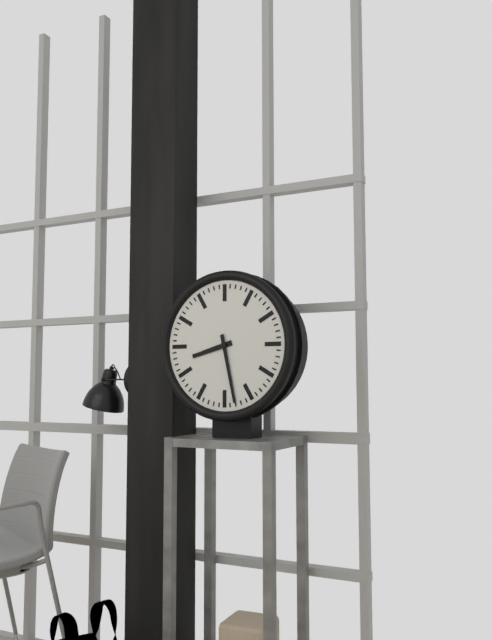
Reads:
{"hour": 8, "minute": 28}
